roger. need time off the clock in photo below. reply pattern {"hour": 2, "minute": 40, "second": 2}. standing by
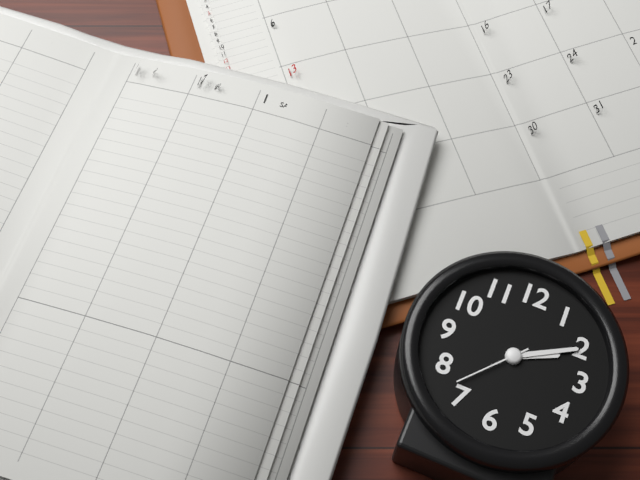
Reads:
{"hour": 2, "minute": 10, "second": 37}
